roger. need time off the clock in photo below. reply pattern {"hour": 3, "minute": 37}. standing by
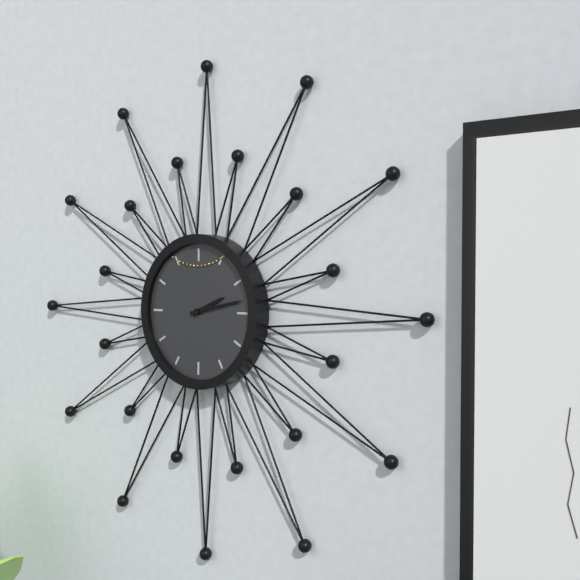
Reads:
{"hour": 2, "minute": 13}
